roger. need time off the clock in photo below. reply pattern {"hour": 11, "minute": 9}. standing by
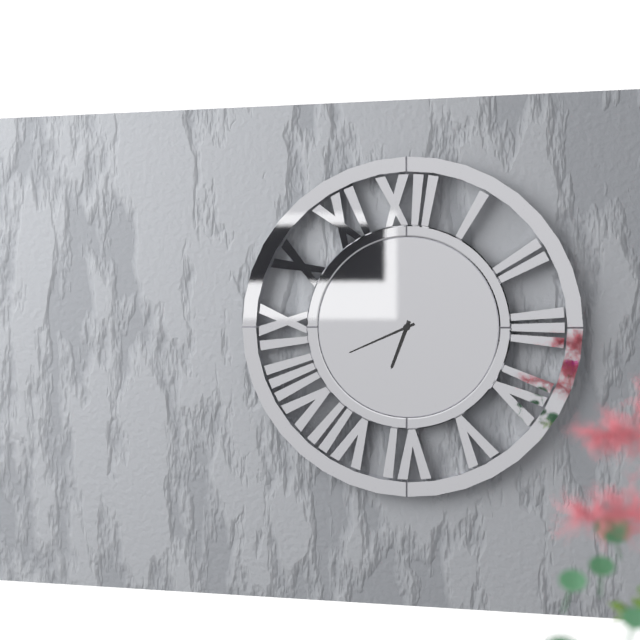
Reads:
{"hour": 6, "minute": 41}
